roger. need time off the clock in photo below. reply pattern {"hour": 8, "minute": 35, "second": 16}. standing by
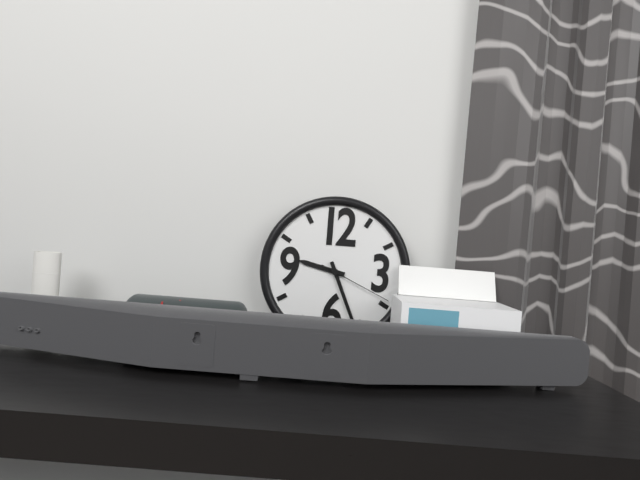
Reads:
{"hour": 9, "minute": 26, "second": 19}
